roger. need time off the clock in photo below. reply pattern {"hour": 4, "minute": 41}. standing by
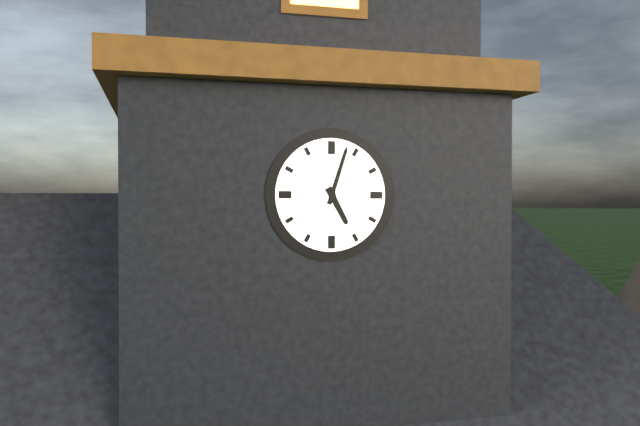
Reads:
{"hour": 5, "minute": 3}
